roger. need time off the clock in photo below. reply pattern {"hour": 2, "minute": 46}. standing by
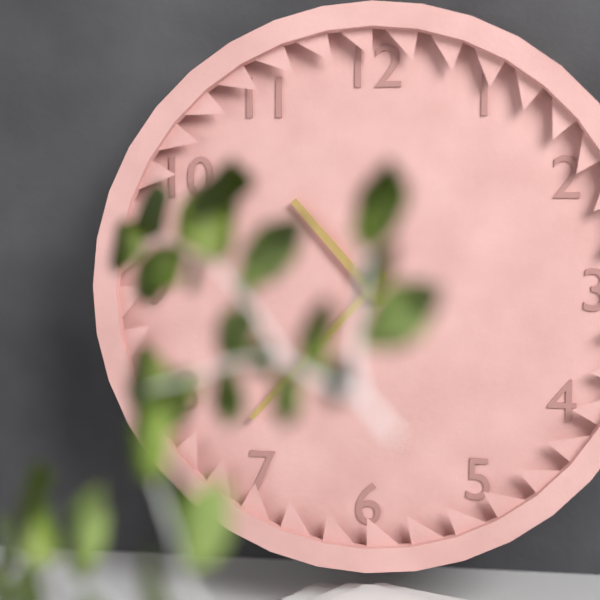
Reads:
{"hour": 10, "minute": 37}
